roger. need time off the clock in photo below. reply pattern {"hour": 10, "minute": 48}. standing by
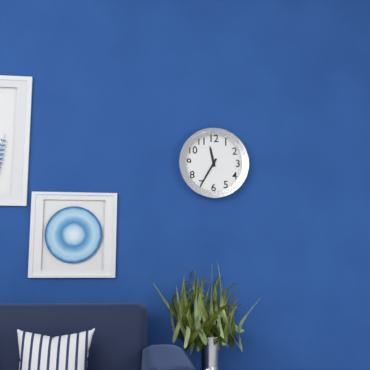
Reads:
{"hour": 11, "minute": 35}
